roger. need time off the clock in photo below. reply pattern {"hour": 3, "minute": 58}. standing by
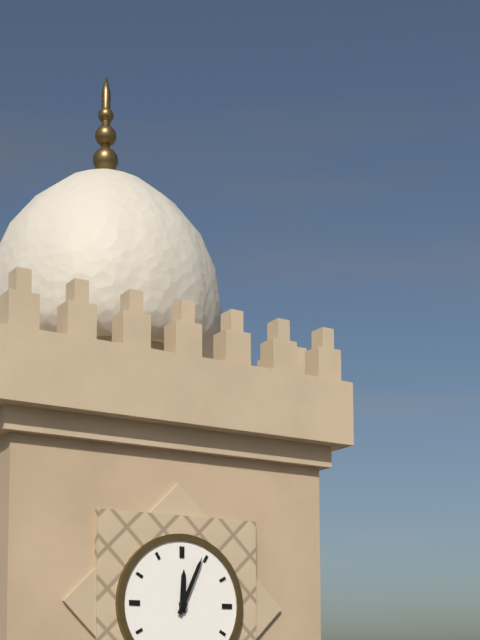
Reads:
{"hour": 12, "minute": 4}
